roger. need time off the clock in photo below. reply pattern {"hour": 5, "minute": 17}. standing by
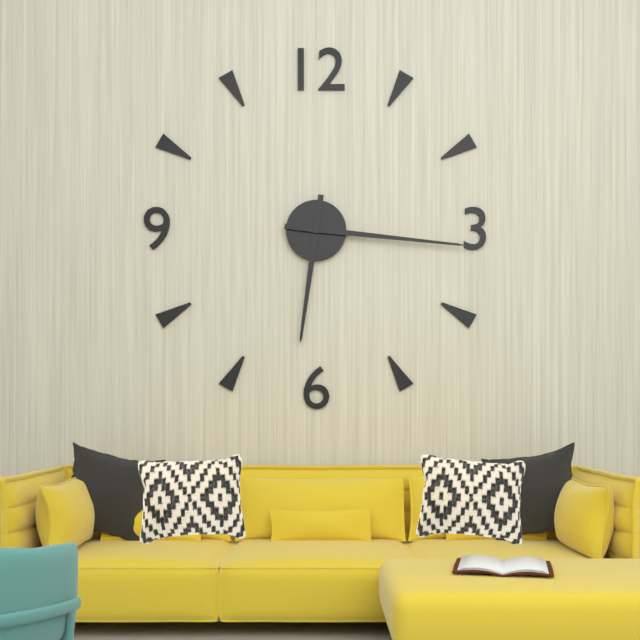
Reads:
{"hour": 6, "minute": 16}
